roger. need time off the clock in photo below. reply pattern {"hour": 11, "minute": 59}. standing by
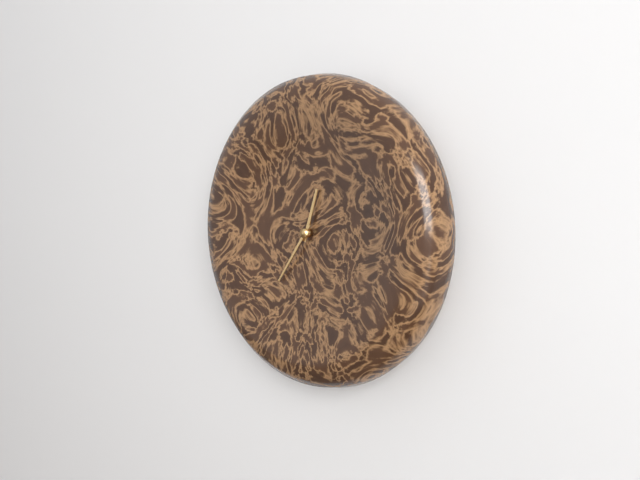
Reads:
{"hour": 12, "minute": 36}
